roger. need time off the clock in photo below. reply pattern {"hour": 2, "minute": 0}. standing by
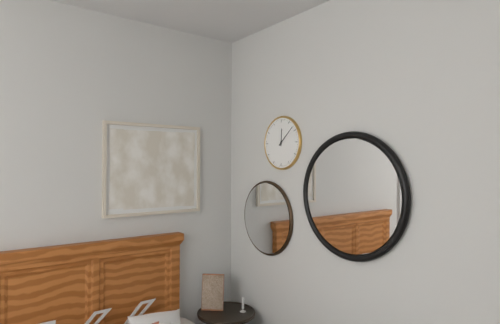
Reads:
{"hour": 12, "minute": 8}
